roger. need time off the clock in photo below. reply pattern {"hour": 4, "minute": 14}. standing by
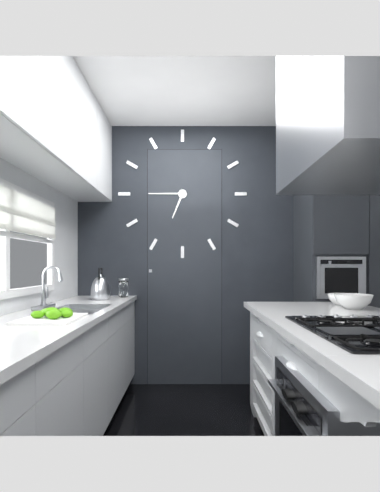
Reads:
{"hour": 6, "minute": 45}
